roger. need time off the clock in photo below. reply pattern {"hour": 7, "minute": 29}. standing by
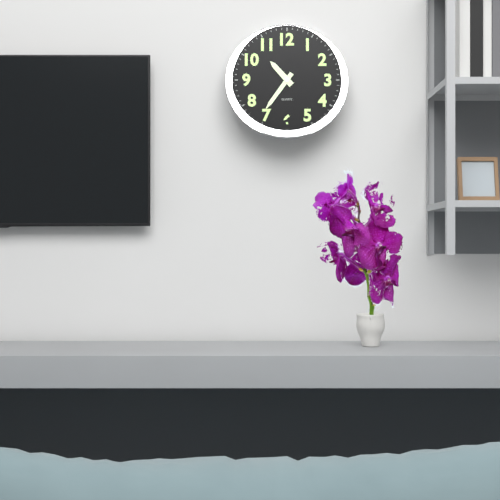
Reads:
{"hour": 10, "minute": 36}
